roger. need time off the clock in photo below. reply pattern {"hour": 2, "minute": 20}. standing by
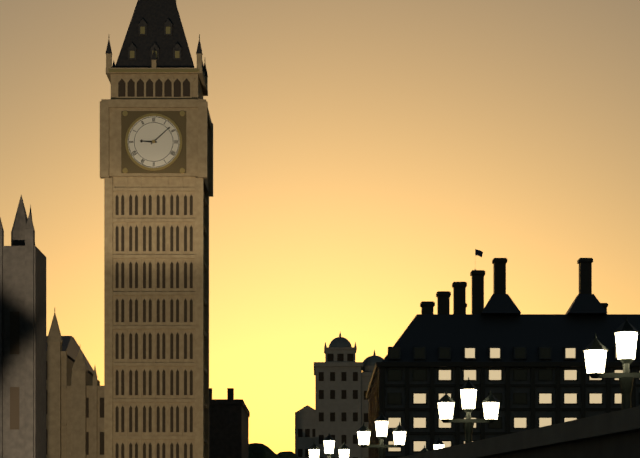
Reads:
{"hour": 9, "minute": 8}
